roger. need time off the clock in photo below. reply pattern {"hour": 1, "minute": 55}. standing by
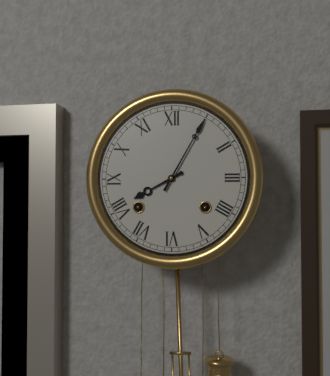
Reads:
{"hour": 8, "minute": 5}
